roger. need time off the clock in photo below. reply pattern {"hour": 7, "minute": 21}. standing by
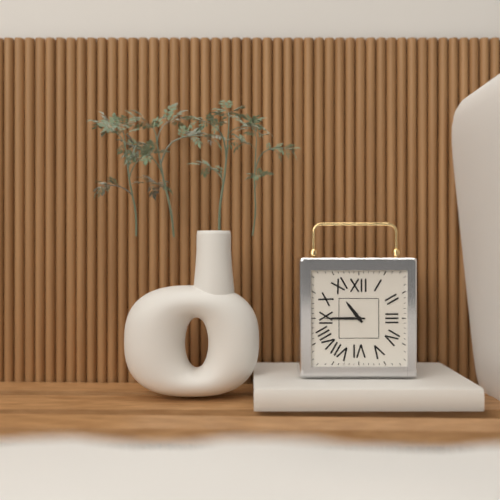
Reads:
{"hour": 10, "minute": 45}
